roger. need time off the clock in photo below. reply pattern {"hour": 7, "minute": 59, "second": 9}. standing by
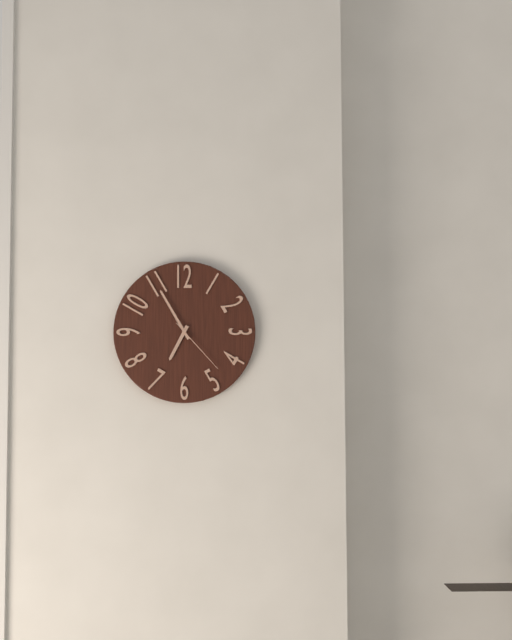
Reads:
{"hour": 6, "minute": 55, "second": 23}
